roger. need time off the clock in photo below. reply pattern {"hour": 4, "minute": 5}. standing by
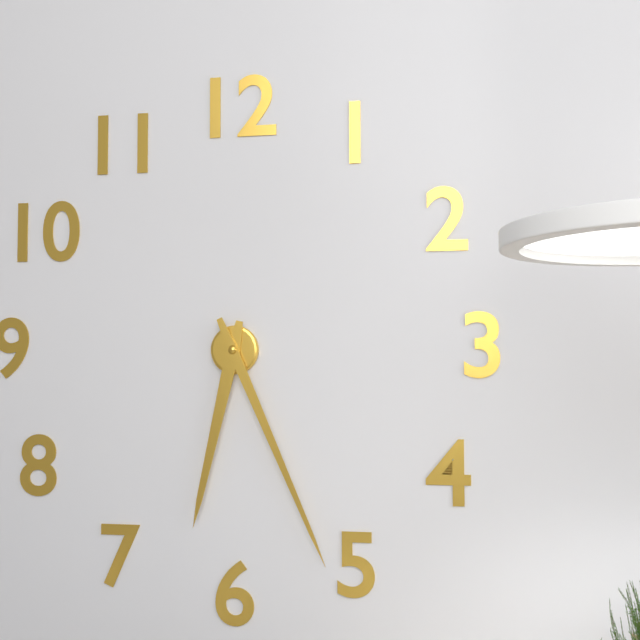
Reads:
{"hour": 6, "minute": 26}
